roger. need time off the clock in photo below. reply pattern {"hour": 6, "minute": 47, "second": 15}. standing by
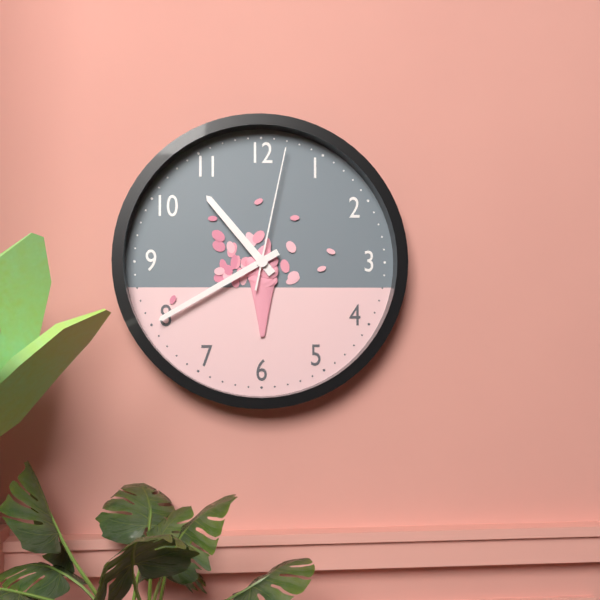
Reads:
{"hour": 10, "minute": 40, "second": 2}
